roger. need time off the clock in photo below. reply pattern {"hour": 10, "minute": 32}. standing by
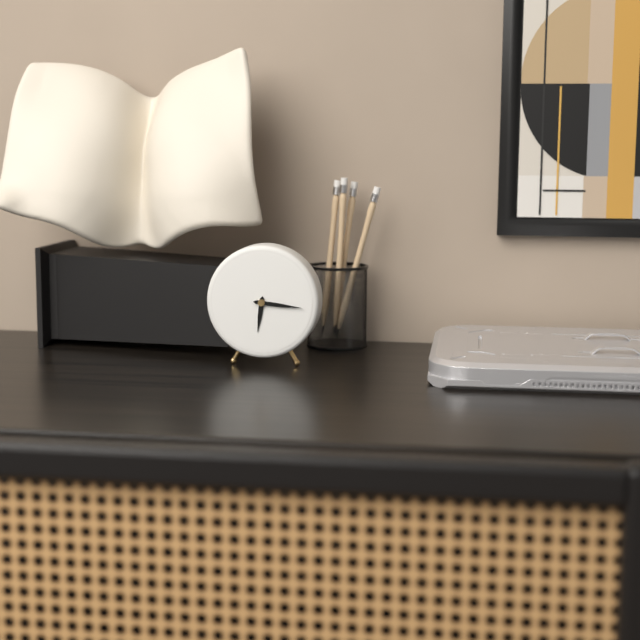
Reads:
{"hour": 6, "minute": 16}
